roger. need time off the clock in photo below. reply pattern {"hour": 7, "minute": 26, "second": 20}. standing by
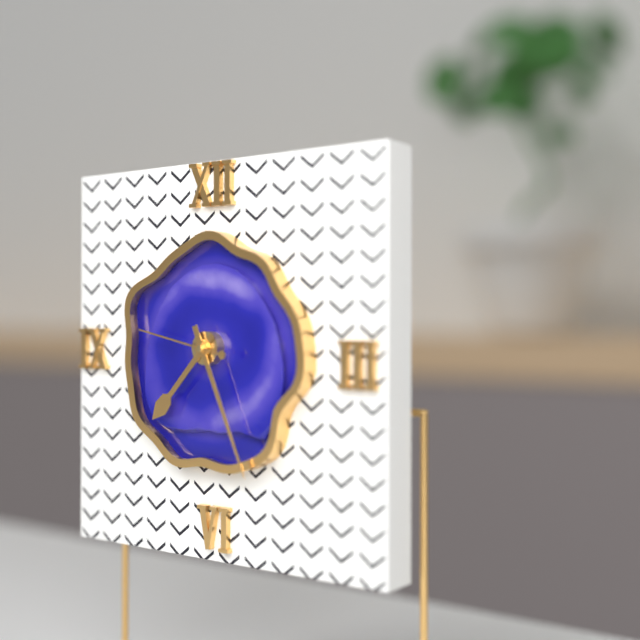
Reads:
{"hour": 7, "minute": 26, "second": 47}
